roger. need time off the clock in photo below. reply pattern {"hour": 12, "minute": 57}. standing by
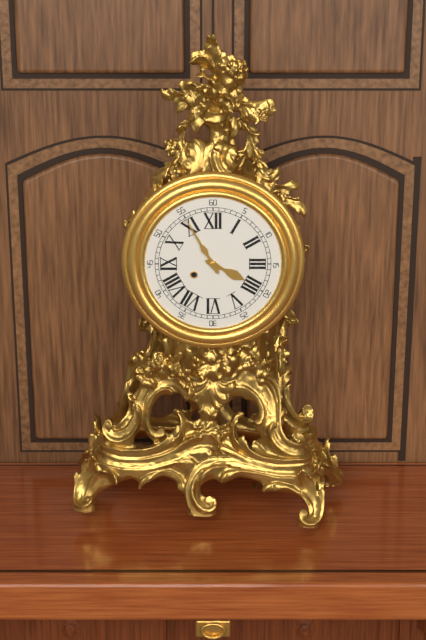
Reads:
{"hour": 3, "minute": 55}
